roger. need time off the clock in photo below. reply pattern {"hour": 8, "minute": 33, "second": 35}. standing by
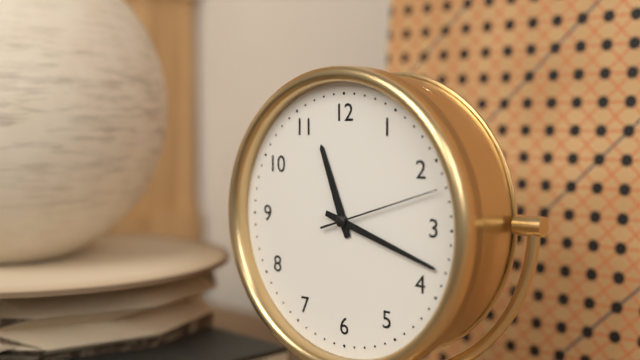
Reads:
{"hour": 11, "minute": 18, "second": 12}
